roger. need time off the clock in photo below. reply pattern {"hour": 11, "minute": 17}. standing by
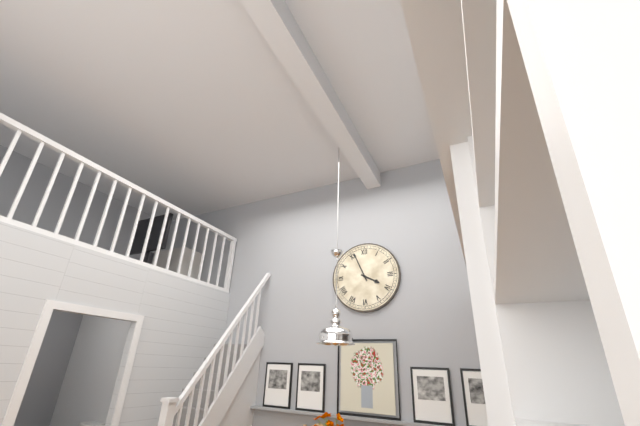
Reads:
{"hour": 3, "minute": 56}
